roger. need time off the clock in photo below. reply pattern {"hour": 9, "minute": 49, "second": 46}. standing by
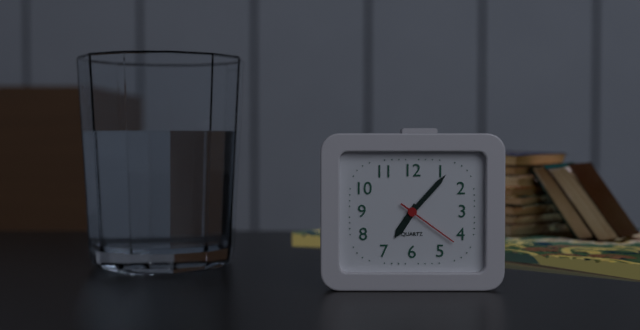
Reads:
{"hour": 7, "minute": 7, "second": 21}
